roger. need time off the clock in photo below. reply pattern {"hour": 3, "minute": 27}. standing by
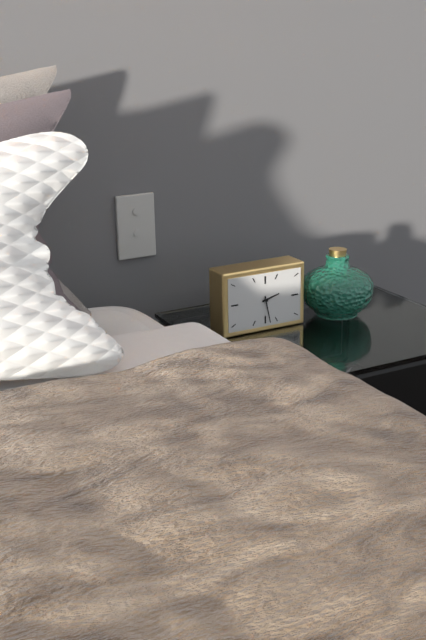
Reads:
{"hour": 2, "minute": 28}
